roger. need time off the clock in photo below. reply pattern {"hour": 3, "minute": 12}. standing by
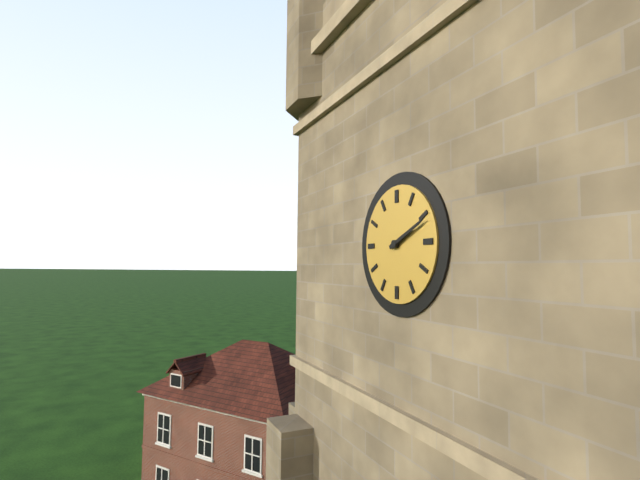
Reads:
{"hour": 2, "minute": 11}
